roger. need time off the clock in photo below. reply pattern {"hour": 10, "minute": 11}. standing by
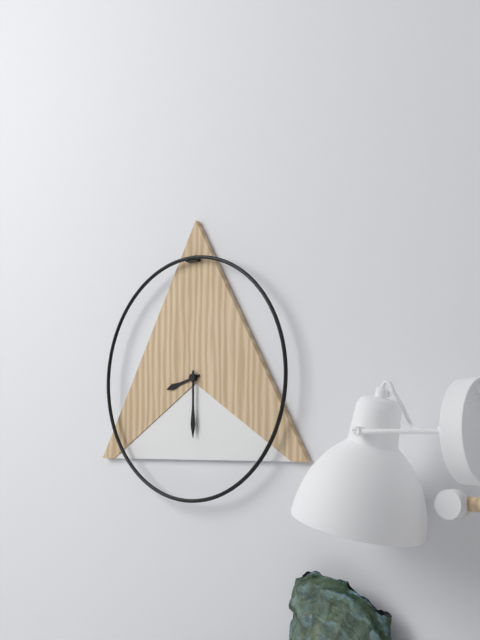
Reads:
{"hour": 8, "minute": 30}
